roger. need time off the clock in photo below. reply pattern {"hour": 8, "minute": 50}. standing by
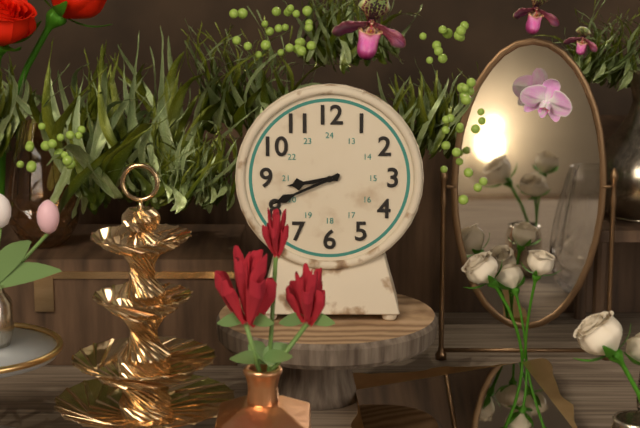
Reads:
{"hour": 8, "minute": 41}
